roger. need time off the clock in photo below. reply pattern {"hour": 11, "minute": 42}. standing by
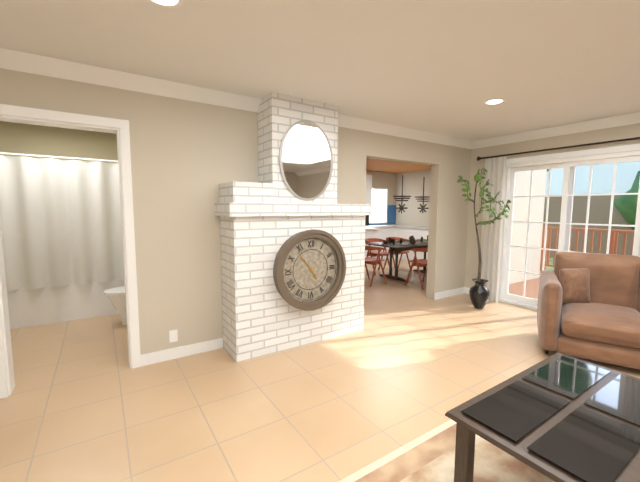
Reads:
{"hour": 4, "minute": 53}
